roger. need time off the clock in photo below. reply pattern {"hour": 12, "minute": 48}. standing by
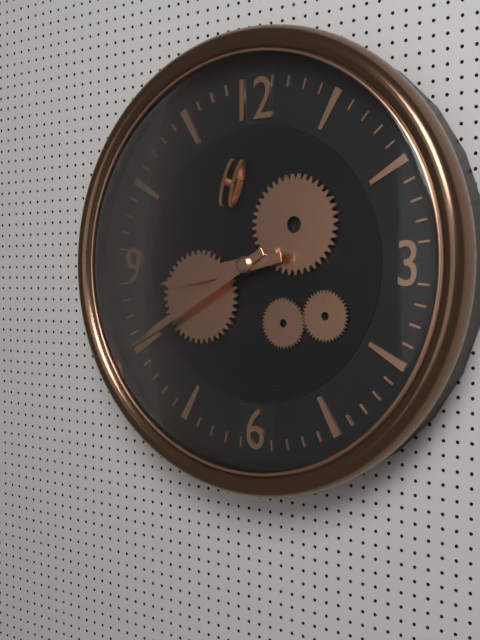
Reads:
{"hour": 8, "minute": 40}
